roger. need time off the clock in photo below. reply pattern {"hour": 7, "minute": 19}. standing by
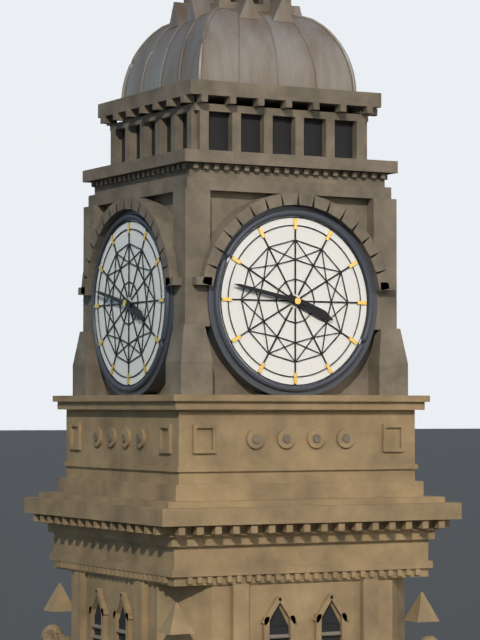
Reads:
{"hour": 3, "minute": 47}
